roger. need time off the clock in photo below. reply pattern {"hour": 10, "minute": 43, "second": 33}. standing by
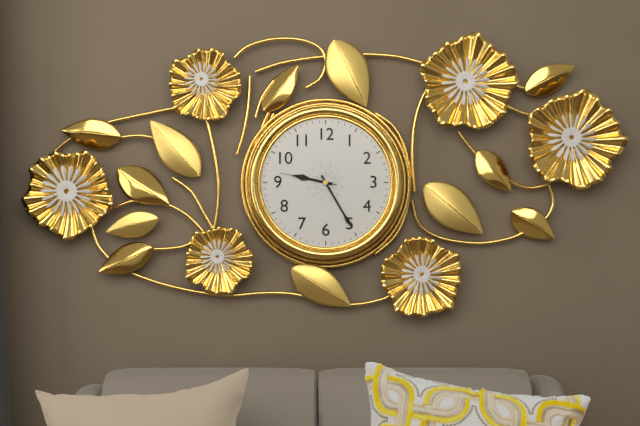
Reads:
{"hour": 9, "minute": 25, "second": 47}
